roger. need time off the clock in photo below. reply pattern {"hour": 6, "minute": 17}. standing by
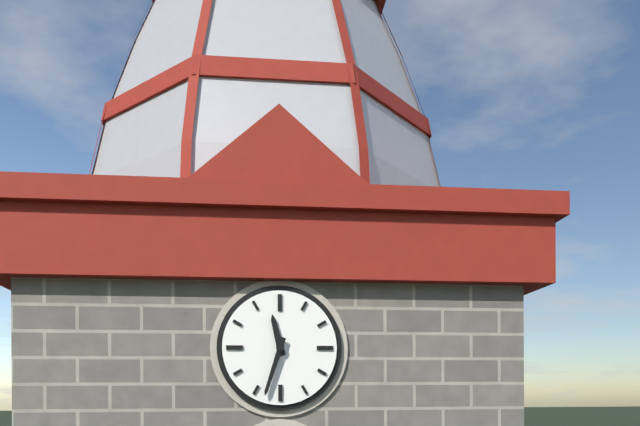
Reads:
{"hour": 11, "minute": 33}
